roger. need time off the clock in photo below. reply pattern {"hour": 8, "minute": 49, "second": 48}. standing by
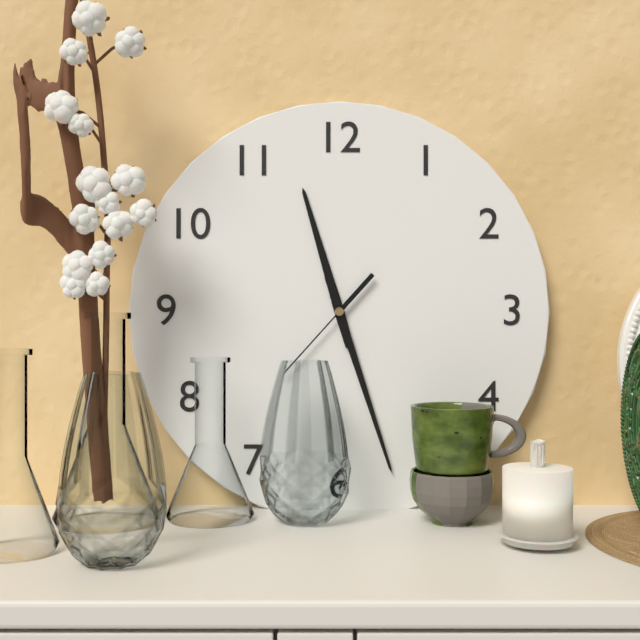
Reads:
{"hour": 11, "minute": 27, "second": 37}
